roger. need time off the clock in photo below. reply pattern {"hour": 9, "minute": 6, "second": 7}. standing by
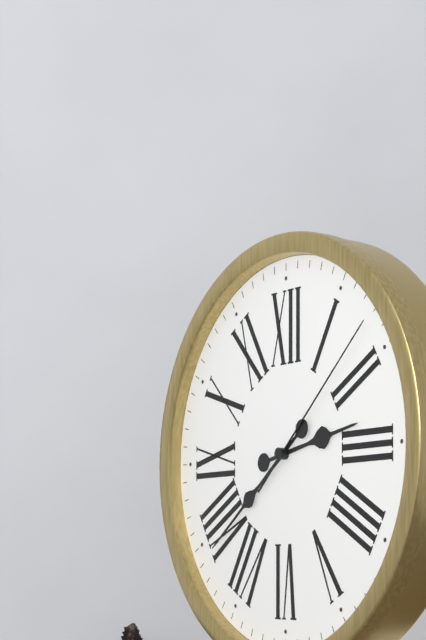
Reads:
{"hour": 2, "minute": 39, "second": 8}
